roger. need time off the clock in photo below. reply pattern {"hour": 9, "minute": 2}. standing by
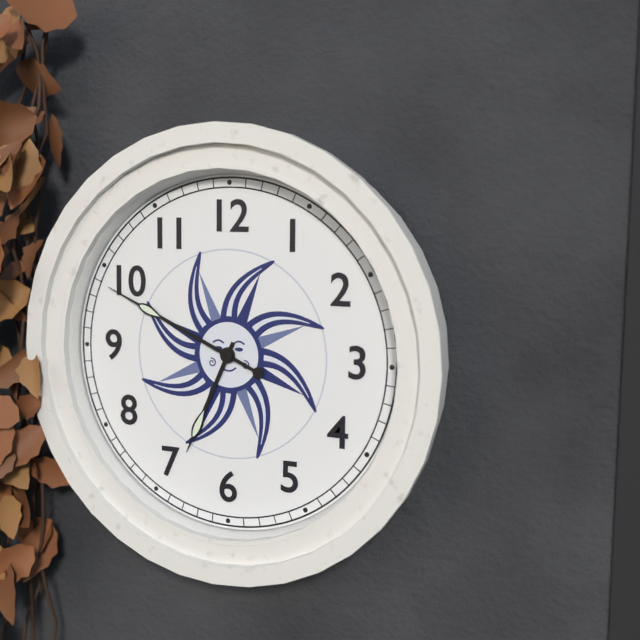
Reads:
{"hour": 6, "minute": 49}
